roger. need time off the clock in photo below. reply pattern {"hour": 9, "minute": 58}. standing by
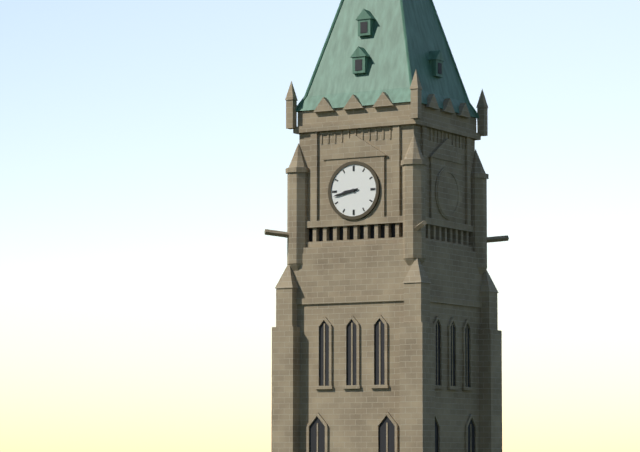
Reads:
{"hour": 8, "minute": 43}
